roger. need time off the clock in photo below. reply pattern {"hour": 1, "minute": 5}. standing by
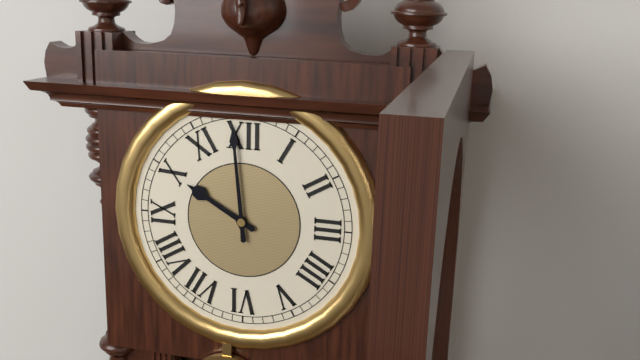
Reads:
{"hour": 9, "minute": 59}
